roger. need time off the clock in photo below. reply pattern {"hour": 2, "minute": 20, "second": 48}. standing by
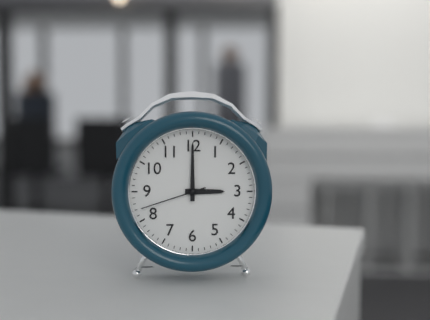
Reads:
{"hour": 3, "minute": 0, "second": 42}
